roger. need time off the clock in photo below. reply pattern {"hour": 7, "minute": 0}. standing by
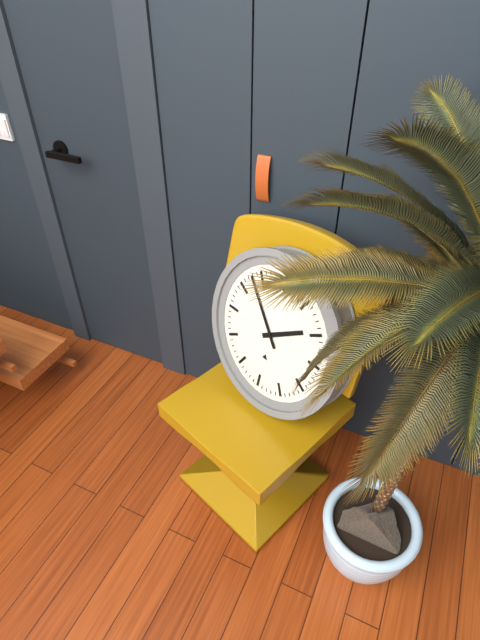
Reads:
{"hour": 1, "minute": 53}
